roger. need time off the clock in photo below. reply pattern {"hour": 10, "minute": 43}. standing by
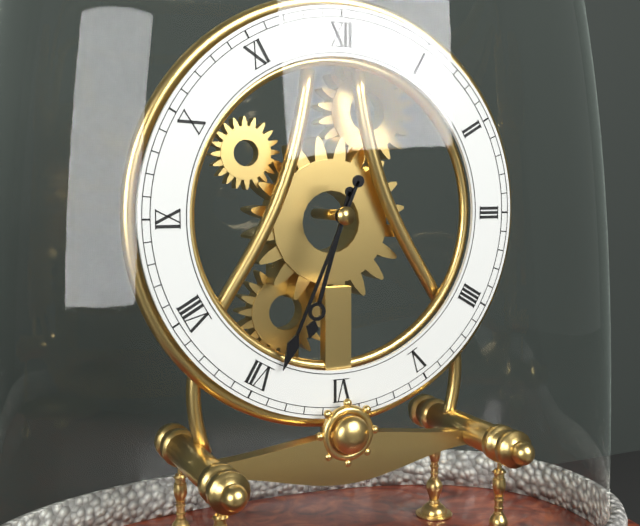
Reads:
{"hour": 6, "minute": 34}
